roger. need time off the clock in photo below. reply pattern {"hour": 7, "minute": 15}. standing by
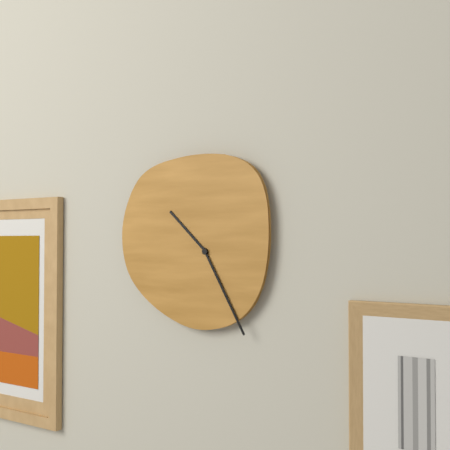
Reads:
{"hour": 10, "minute": 25}
